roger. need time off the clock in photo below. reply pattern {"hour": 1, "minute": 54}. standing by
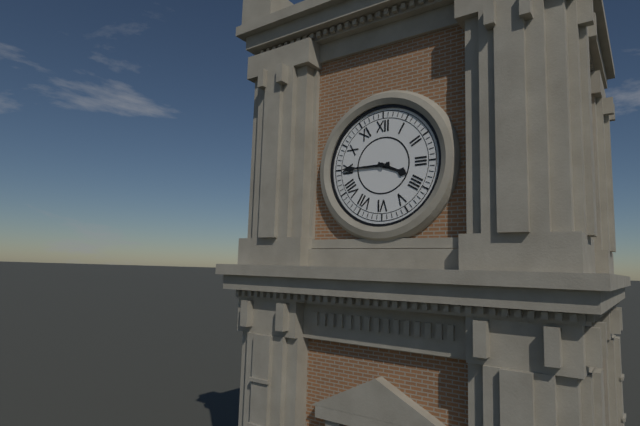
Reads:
{"hour": 3, "minute": 45}
